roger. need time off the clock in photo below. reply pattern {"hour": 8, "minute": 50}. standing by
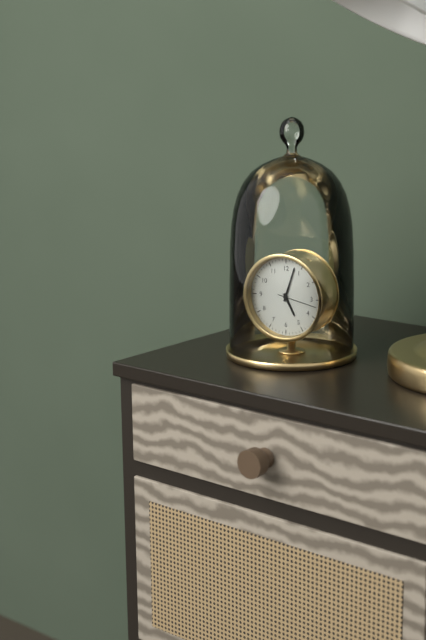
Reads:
{"hour": 5, "minute": 3}
